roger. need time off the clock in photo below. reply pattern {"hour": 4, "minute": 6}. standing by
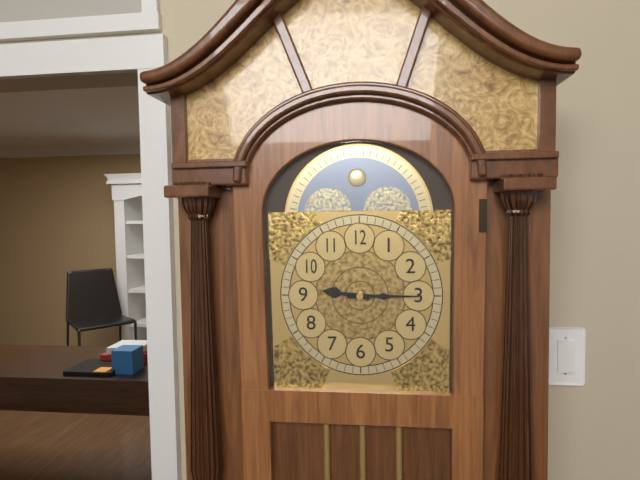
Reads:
{"hour": 9, "minute": 15}
